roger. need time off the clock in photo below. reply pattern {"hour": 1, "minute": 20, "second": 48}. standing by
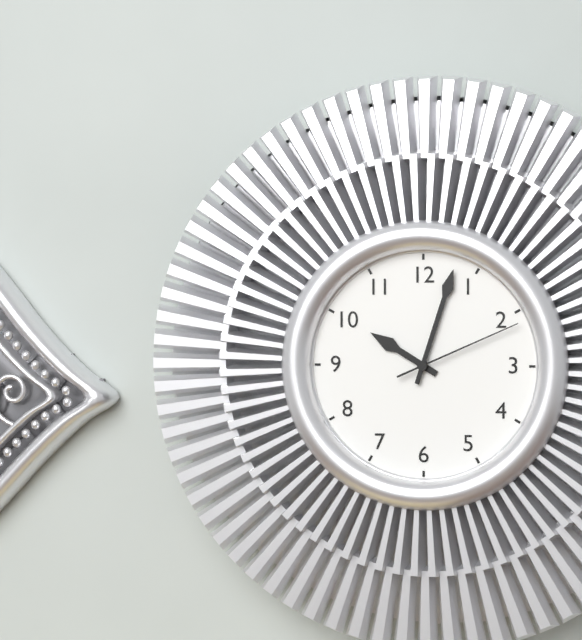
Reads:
{"hour": 10, "minute": 3, "second": 11}
